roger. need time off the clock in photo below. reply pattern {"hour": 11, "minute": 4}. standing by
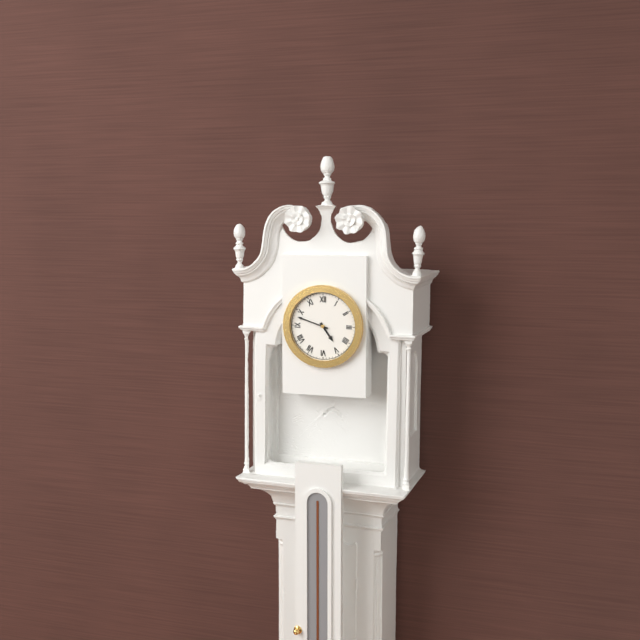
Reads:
{"hour": 4, "minute": 48}
